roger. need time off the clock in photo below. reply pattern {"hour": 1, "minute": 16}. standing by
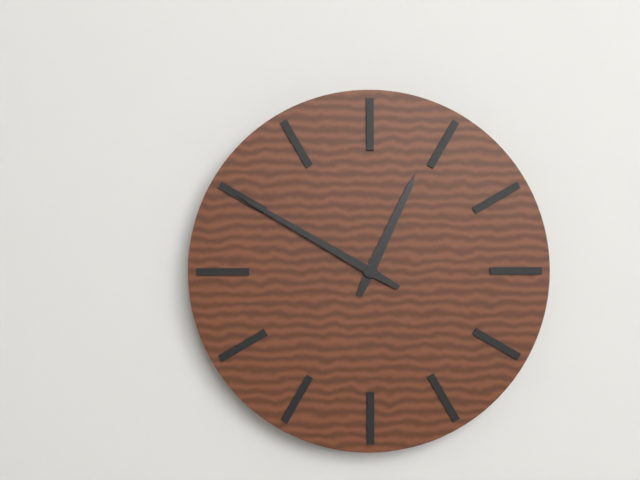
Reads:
{"hour": 12, "minute": 50}
